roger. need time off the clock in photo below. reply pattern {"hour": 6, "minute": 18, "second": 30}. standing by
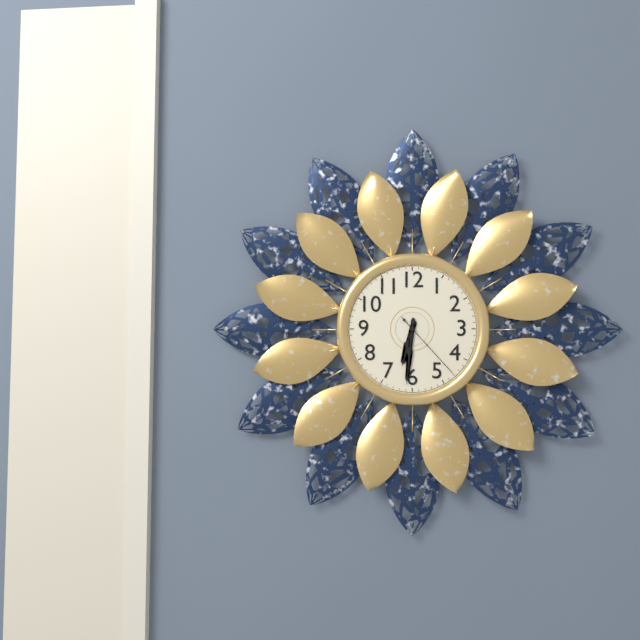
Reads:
{"hour": 6, "minute": 31, "second": 23}
